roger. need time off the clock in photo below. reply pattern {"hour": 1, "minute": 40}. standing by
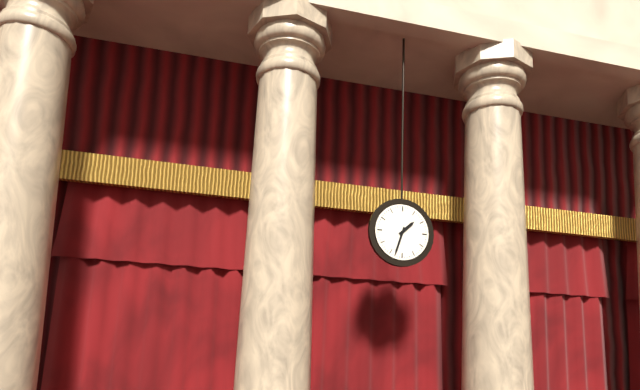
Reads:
{"hour": 1, "minute": 33}
